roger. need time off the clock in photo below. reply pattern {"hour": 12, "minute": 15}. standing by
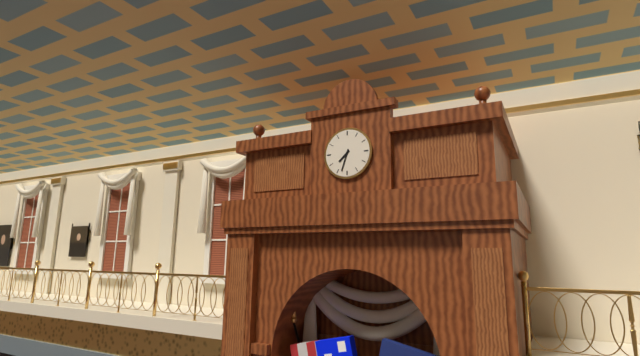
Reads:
{"hour": 7, "minute": 33}
